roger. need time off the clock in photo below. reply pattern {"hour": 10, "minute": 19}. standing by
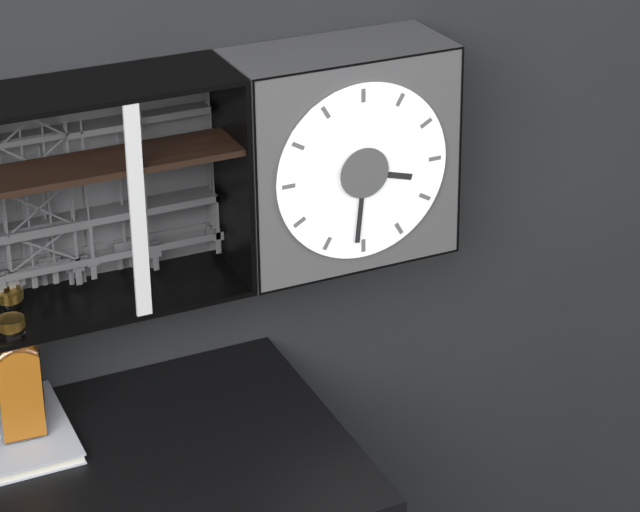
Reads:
{"hour": 3, "minute": 31}
